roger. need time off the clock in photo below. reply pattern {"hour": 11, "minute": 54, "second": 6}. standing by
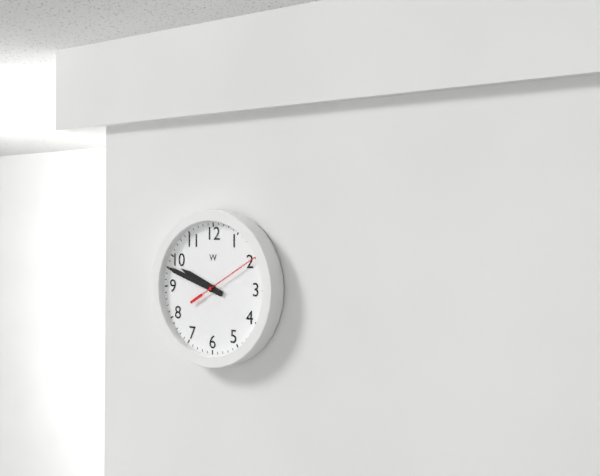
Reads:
{"hour": 9, "minute": 48, "second": 10}
